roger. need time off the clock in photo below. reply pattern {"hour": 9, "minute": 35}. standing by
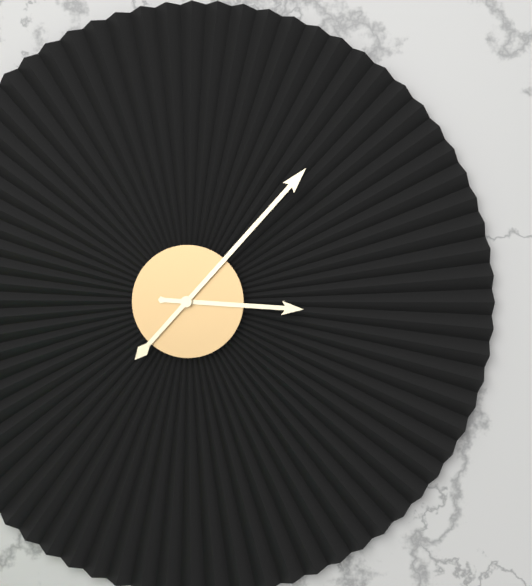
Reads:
{"hour": 3, "minute": 7}
